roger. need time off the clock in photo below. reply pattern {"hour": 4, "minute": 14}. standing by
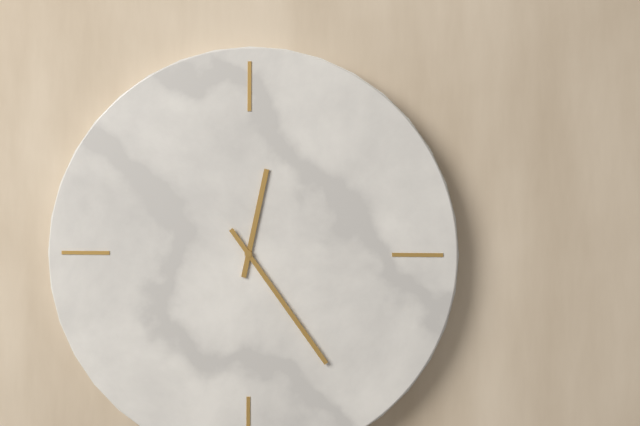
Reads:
{"hour": 12, "minute": 24}
